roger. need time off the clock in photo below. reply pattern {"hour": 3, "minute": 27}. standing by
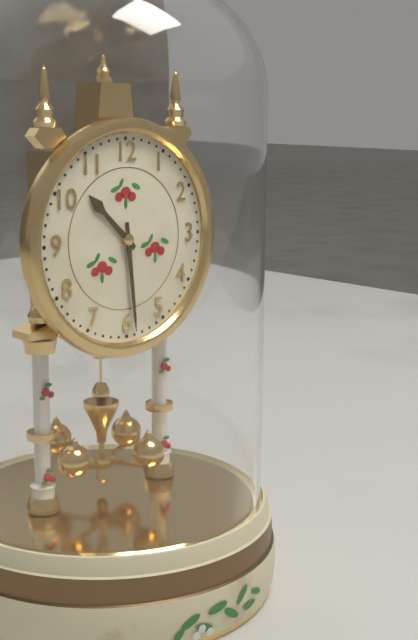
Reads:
{"hour": 10, "minute": 29}
